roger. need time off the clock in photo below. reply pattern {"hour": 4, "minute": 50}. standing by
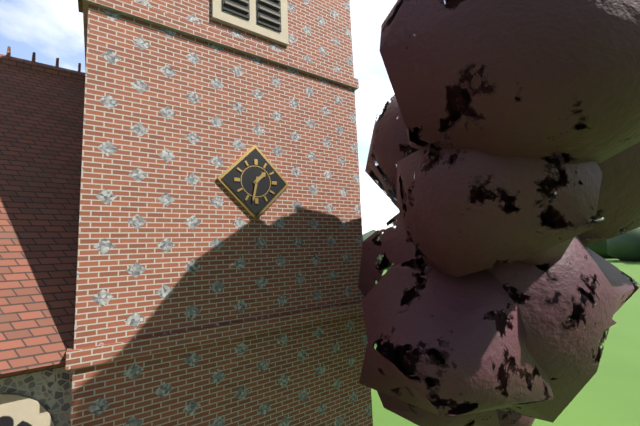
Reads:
{"hour": 1, "minute": 32}
